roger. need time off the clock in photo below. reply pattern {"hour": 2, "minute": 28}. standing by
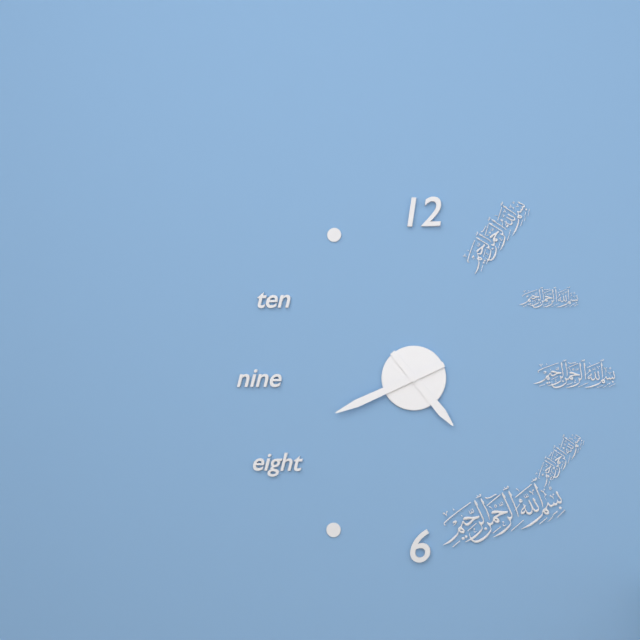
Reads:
{"hour": 4, "minute": 41}
